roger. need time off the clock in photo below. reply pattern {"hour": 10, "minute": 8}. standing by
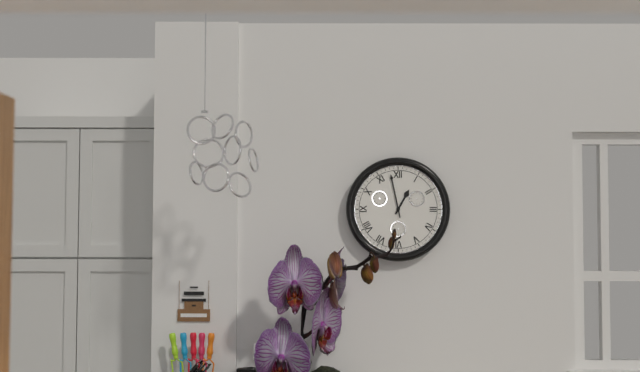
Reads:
{"hour": 12, "minute": 58}
